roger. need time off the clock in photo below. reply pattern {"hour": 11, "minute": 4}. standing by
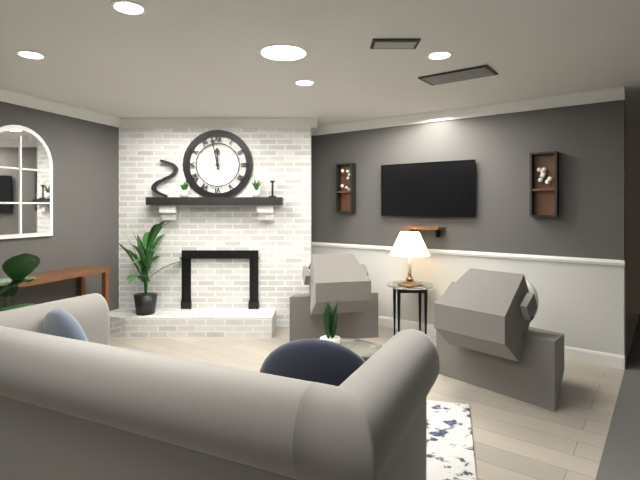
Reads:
{"hour": 11, "minute": 58}
